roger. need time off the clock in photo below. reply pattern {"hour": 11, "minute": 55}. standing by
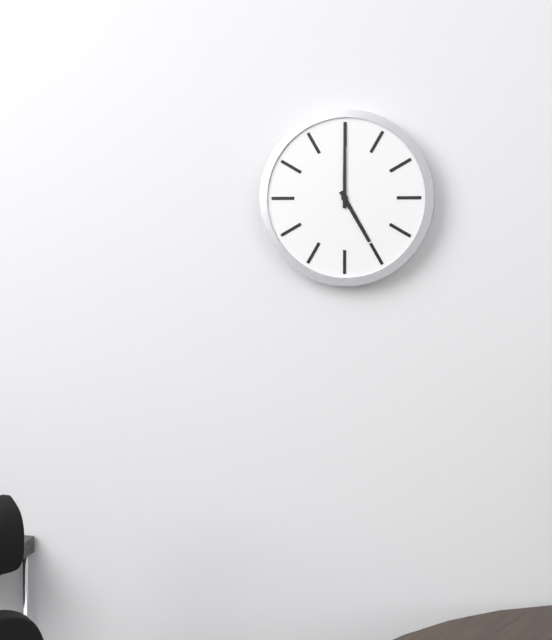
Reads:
{"hour": 5, "minute": 0}
